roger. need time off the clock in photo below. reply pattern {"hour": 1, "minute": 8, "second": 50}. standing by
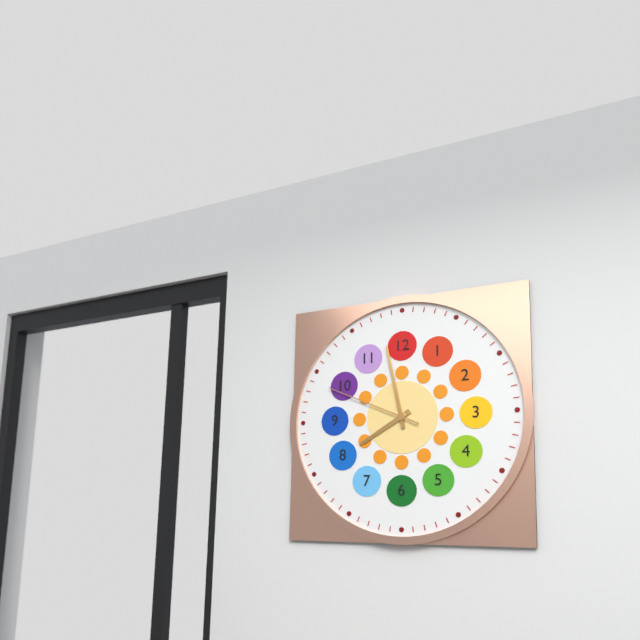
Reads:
{"hour": 7, "minute": 58, "second": 49}
